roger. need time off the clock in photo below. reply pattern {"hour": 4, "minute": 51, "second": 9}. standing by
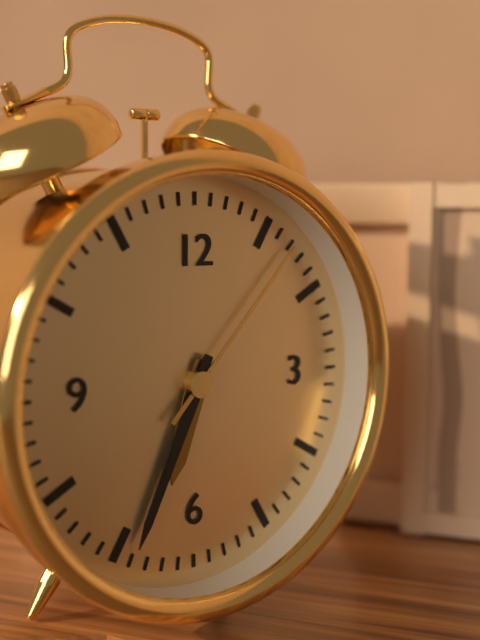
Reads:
{"hour": 6, "minute": 34, "second": 7}
